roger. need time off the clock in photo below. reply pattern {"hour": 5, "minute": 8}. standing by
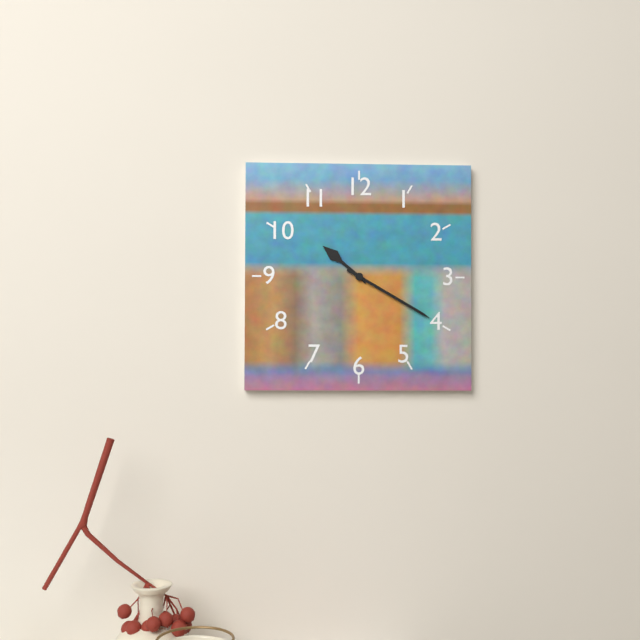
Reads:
{"hour": 10, "minute": 20}
